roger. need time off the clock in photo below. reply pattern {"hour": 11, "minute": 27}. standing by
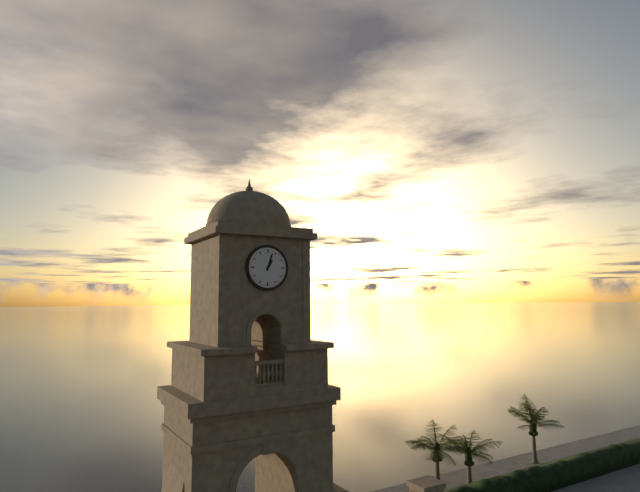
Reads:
{"hour": 1, "minute": 3}
